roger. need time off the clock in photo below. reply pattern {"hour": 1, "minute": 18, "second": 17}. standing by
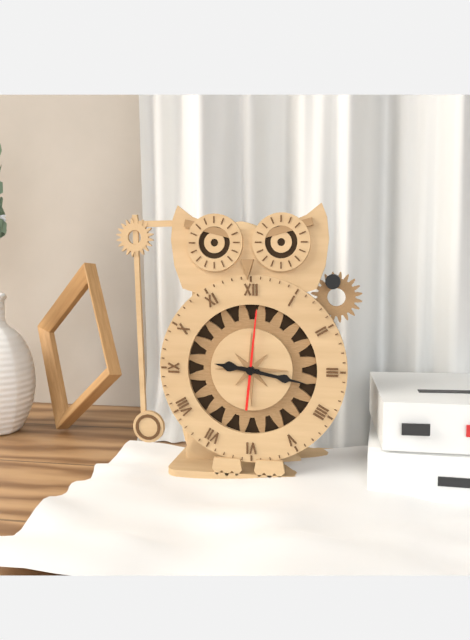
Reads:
{"hour": 9, "minute": 17, "second": 1}
